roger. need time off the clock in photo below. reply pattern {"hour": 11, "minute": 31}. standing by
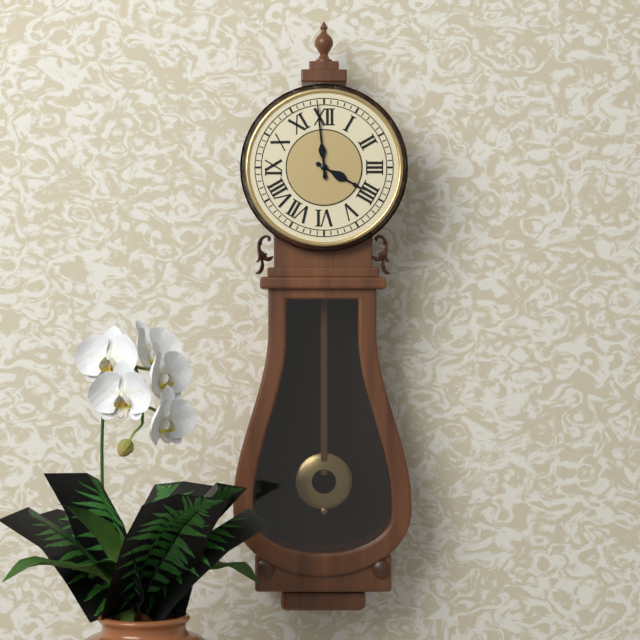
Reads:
{"hour": 3, "minute": 59}
